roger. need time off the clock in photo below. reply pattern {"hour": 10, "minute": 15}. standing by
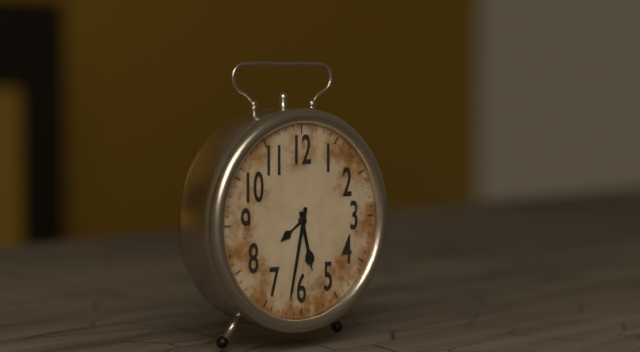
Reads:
{"hour": 5, "minute": 32}
